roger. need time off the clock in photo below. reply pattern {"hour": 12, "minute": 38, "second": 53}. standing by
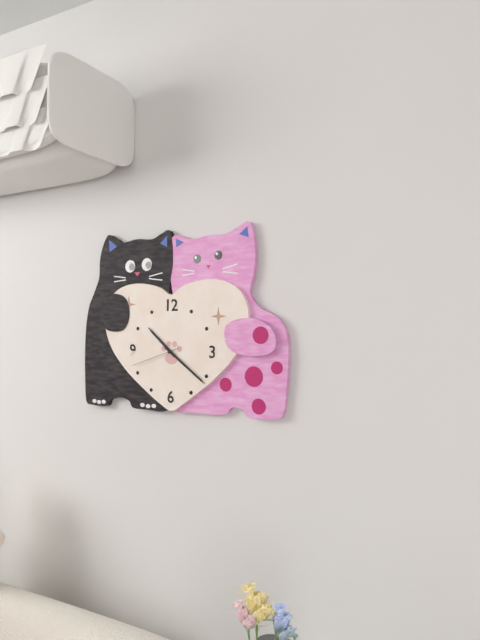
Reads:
{"hour": 10, "minute": 21, "second": 42}
